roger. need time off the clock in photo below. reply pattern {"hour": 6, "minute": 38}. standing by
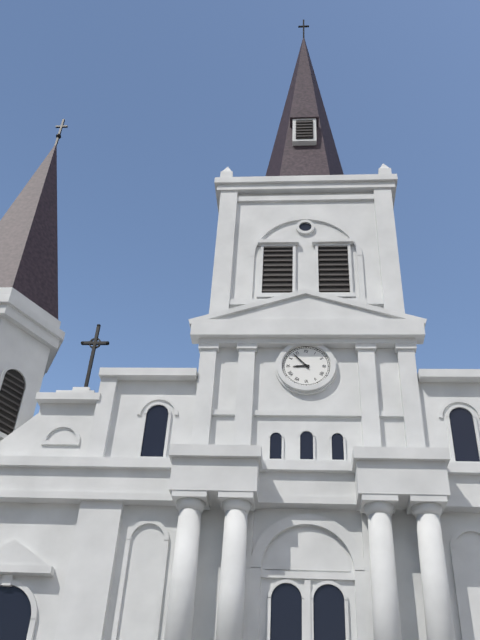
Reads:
{"hour": 8, "minute": 53}
